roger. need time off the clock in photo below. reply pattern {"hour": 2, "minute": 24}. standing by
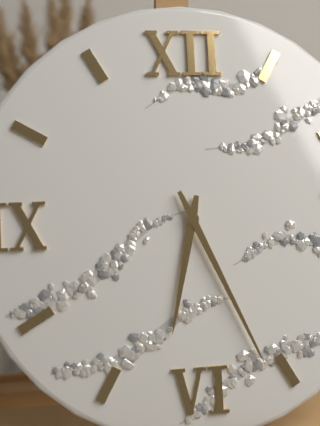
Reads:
{"hour": 6, "minute": 26}
